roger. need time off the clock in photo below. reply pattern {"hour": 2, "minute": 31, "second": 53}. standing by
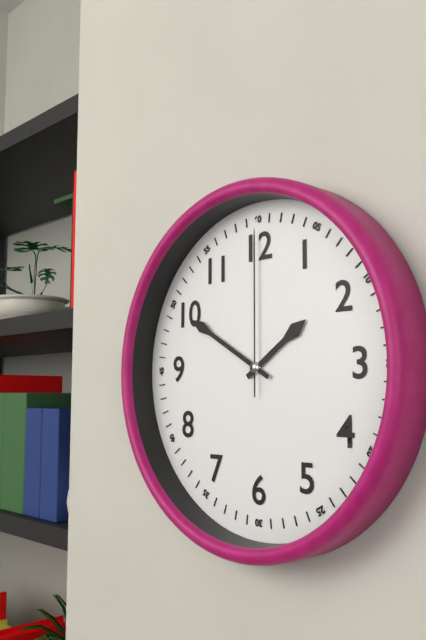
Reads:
{"hour": 1, "minute": 50, "second": 0}
